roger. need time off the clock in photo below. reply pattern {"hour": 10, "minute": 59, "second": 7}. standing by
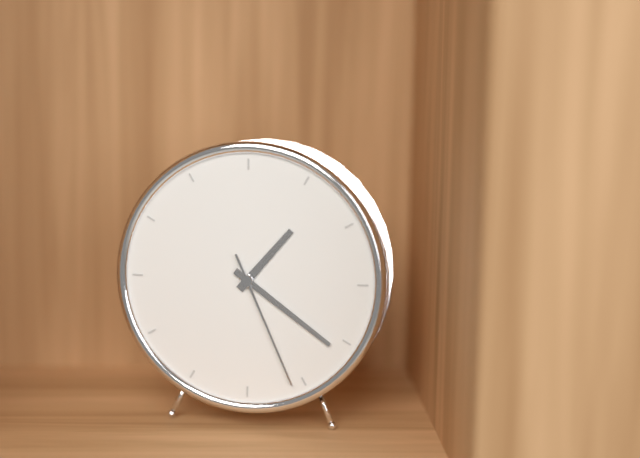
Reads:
{"hour": 1, "minute": 21, "second": 26}
